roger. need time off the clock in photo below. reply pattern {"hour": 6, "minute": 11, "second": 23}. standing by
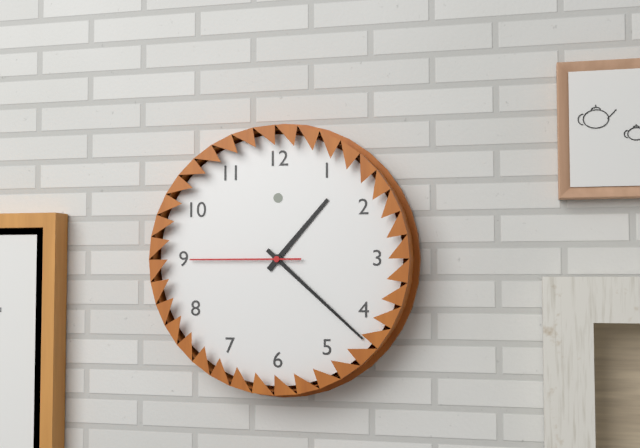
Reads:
{"hour": 1, "minute": 22, "second": 45}
